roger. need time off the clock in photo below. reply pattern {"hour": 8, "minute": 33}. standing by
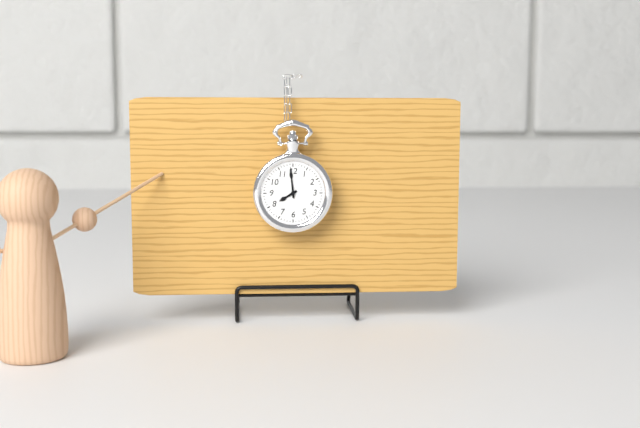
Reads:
{"hour": 7, "minute": 59}
